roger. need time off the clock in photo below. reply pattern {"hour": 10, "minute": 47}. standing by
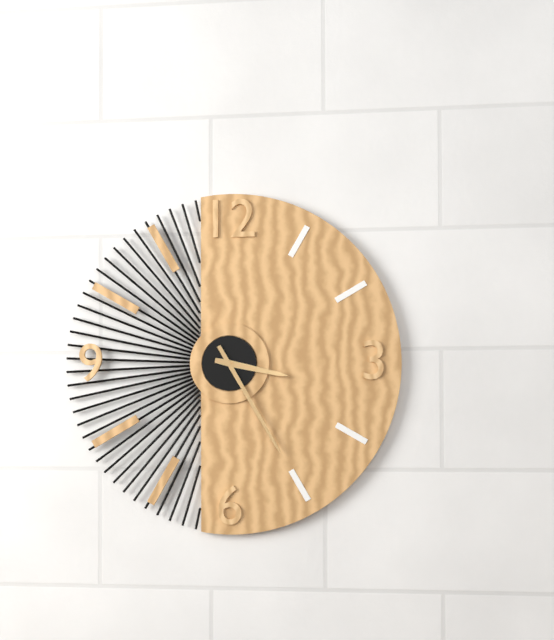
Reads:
{"hour": 3, "minute": 25}
